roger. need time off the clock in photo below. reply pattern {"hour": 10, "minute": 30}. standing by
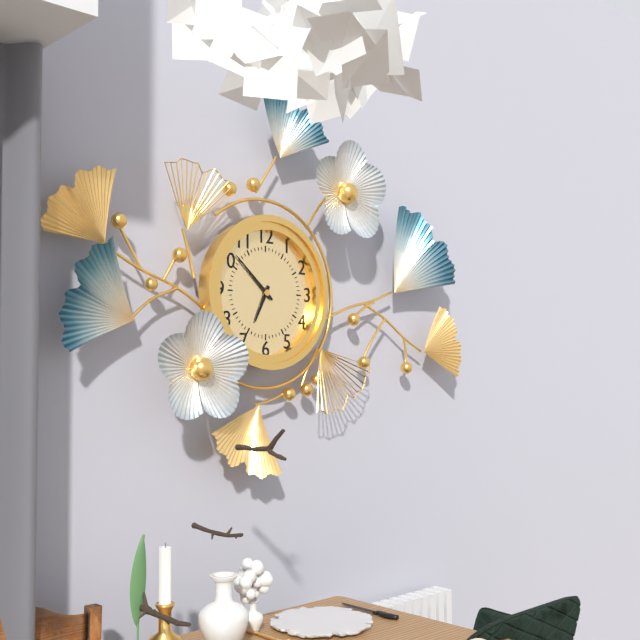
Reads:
{"hour": 6, "minute": 52}
